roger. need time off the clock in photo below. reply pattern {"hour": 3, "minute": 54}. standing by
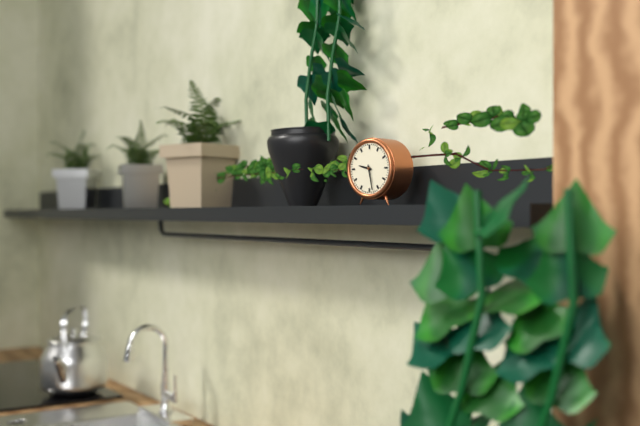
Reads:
{"hour": 9, "minute": 28}
